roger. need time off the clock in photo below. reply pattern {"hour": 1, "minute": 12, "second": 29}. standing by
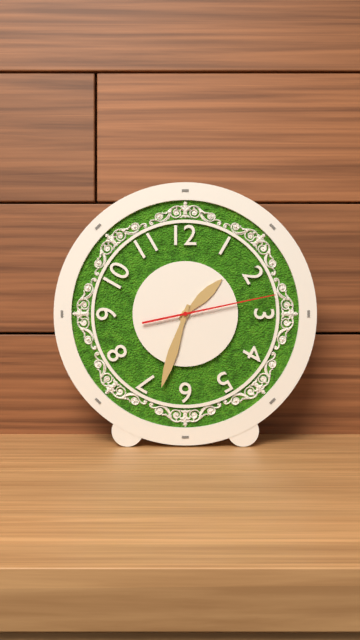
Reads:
{"hour": 1, "minute": 33, "second": 13}
